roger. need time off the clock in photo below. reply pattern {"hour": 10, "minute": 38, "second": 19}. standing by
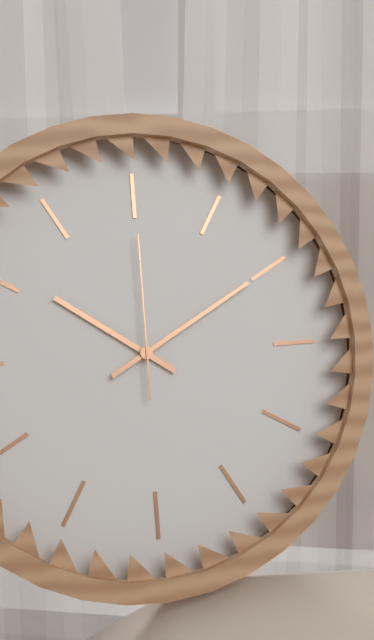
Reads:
{"hour": 10, "minute": 10, "second": 0}
